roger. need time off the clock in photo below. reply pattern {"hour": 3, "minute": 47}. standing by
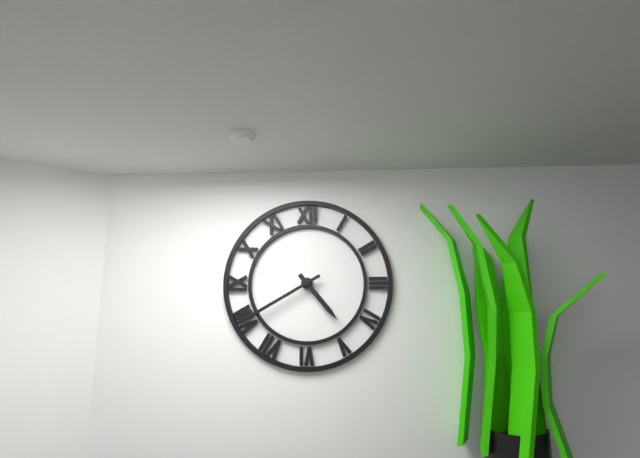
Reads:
{"hour": 4, "minute": 40}
